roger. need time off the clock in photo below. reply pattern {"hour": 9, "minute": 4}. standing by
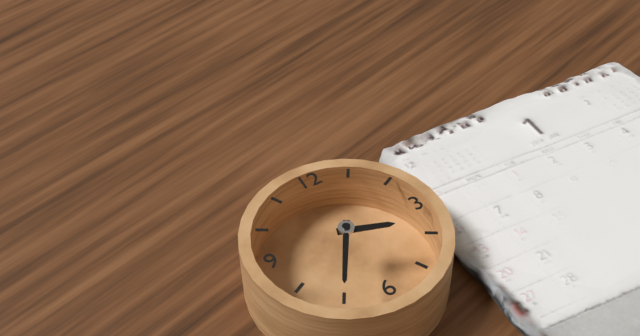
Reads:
{"hour": 3, "minute": 35}
